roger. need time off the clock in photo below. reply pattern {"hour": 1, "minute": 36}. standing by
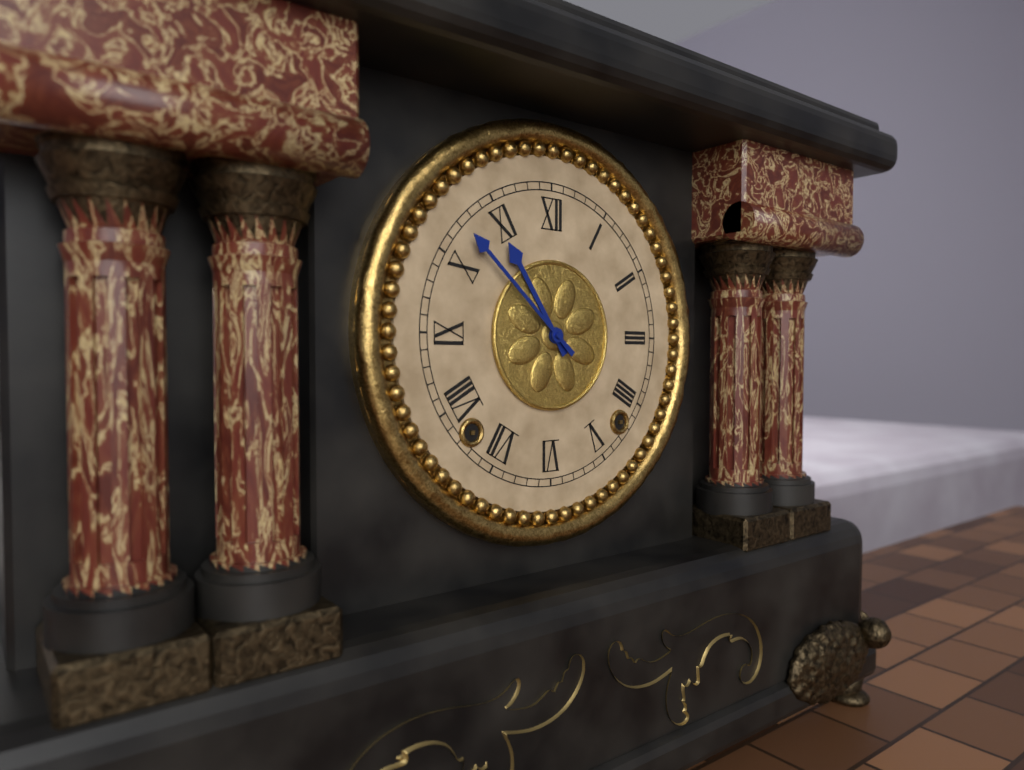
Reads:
{"hour": 10, "minute": 52}
